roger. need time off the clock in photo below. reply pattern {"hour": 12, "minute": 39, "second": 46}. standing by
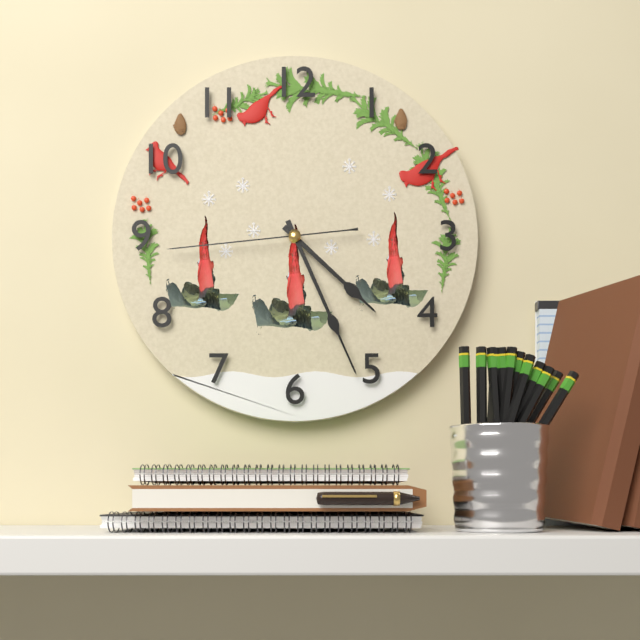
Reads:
{"hour": 4, "minute": 26, "second": 44}
